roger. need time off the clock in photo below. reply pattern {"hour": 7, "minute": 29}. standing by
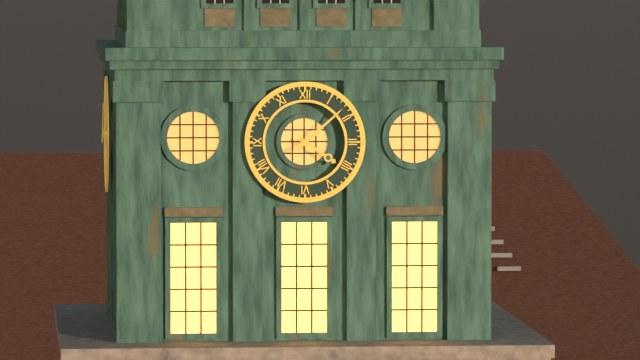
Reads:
{"hour": 4, "minute": 8}
